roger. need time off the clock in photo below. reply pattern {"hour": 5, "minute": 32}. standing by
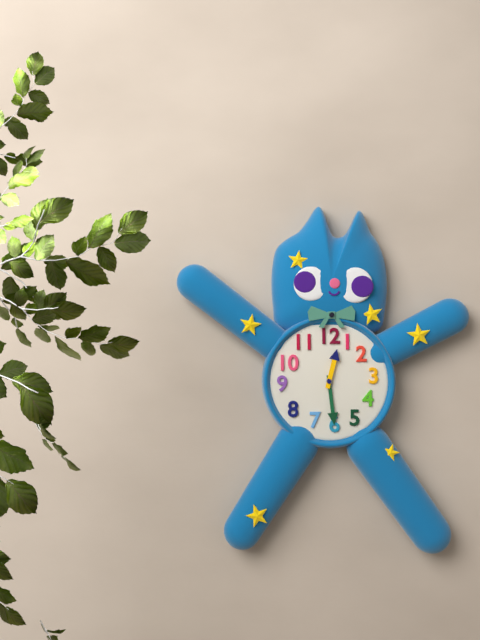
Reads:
{"hour": 12, "minute": 29}
